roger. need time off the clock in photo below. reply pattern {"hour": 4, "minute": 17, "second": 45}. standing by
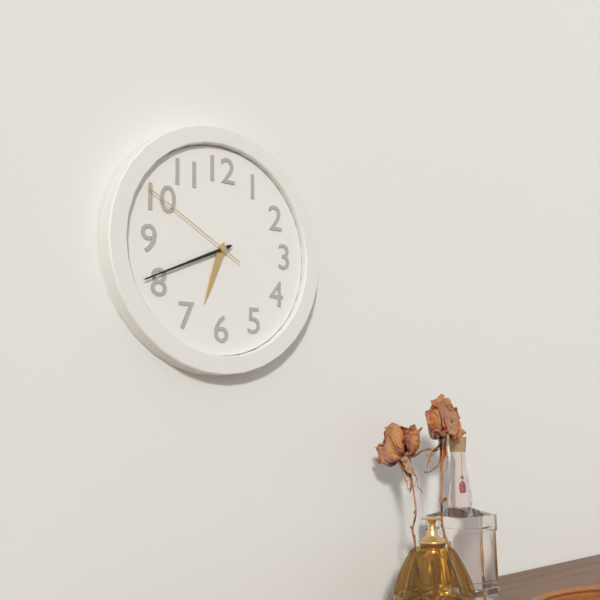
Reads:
{"hour": 6, "minute": 41, "second": 50}
